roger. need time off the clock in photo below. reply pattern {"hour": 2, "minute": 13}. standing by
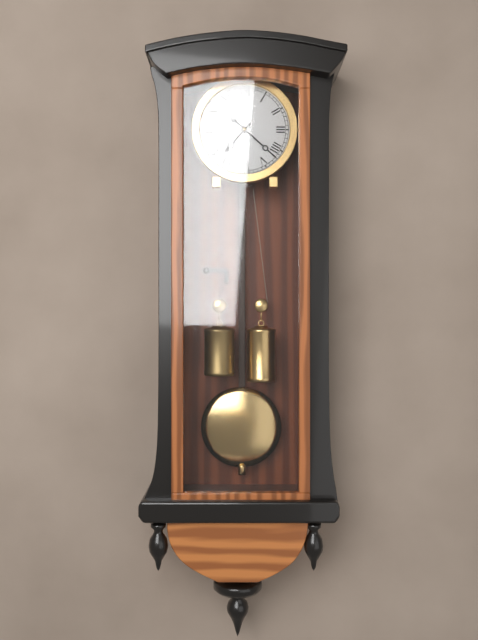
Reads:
{"hour": 7, "minute": 22}
